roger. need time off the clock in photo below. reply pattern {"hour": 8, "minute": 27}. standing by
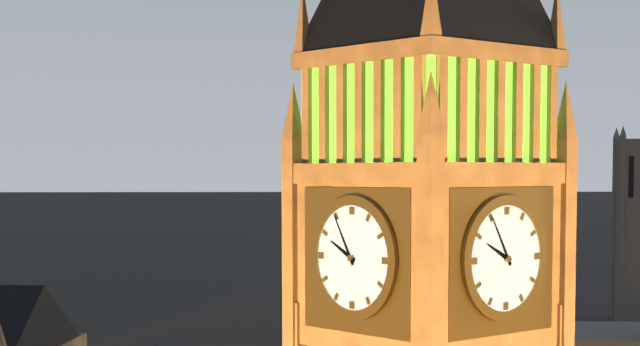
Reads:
{"hour": 9, "minute": 55}
